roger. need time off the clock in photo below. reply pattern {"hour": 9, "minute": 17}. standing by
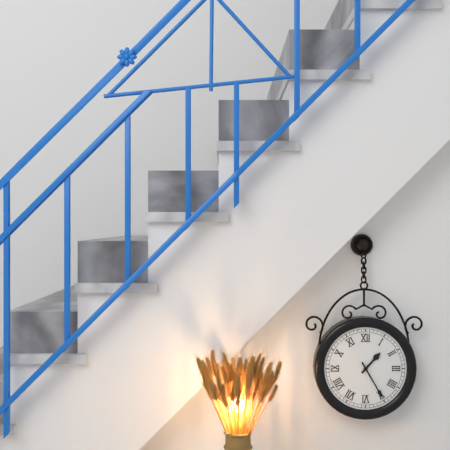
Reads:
{"hour": 1, "minute": 25}
